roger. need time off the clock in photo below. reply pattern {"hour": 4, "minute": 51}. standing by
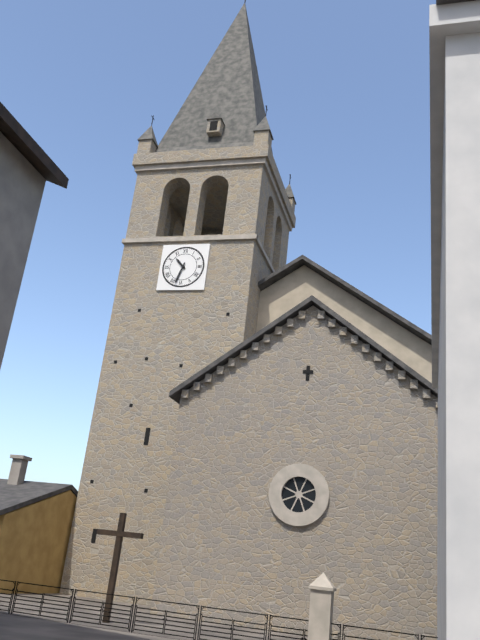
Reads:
{"hour": 10, "minute": 33}
